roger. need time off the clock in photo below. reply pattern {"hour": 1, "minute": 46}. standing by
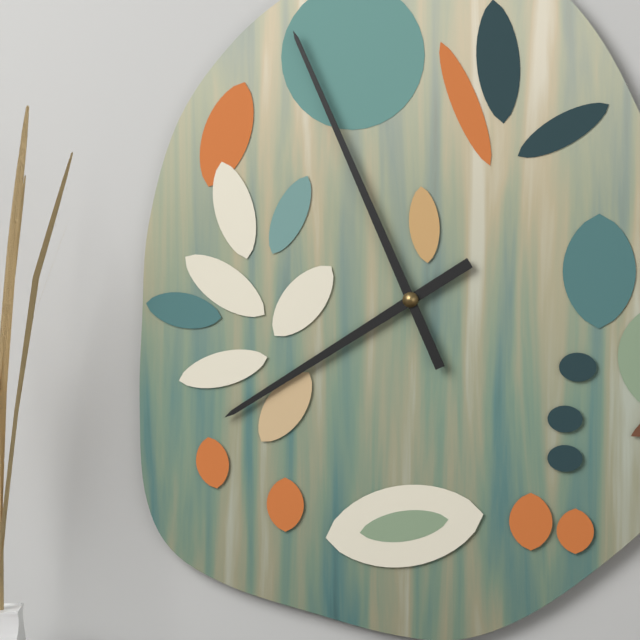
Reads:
{"hour": 7, "minute": 56}
